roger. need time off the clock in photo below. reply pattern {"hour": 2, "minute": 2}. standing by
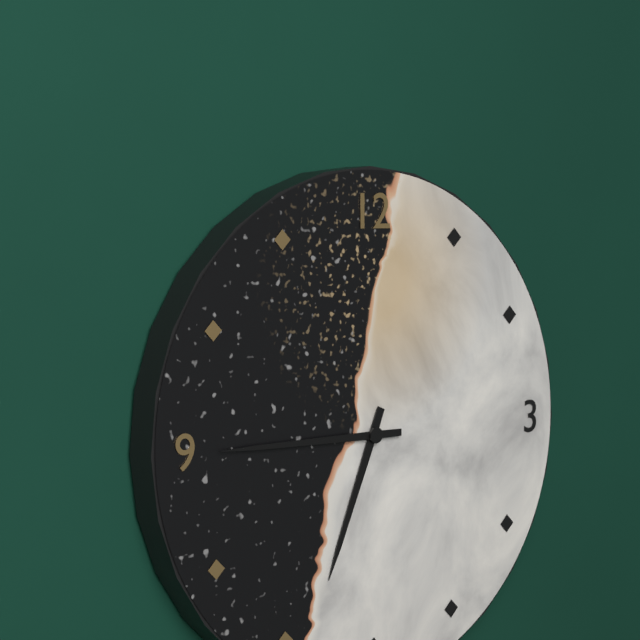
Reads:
{"hour": 6, "minute": 45}
